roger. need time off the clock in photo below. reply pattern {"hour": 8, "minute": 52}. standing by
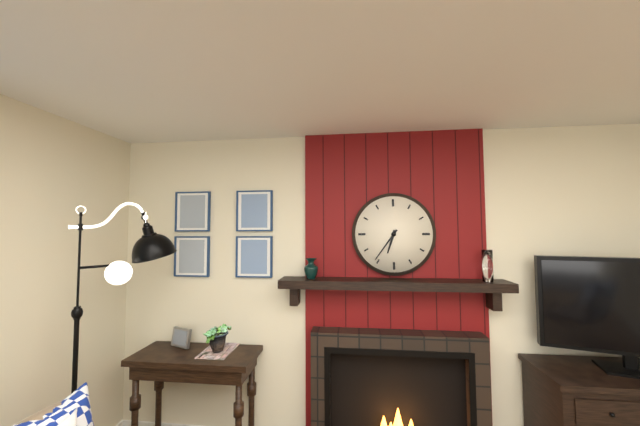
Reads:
{"hour": 6, "minute": 36}
